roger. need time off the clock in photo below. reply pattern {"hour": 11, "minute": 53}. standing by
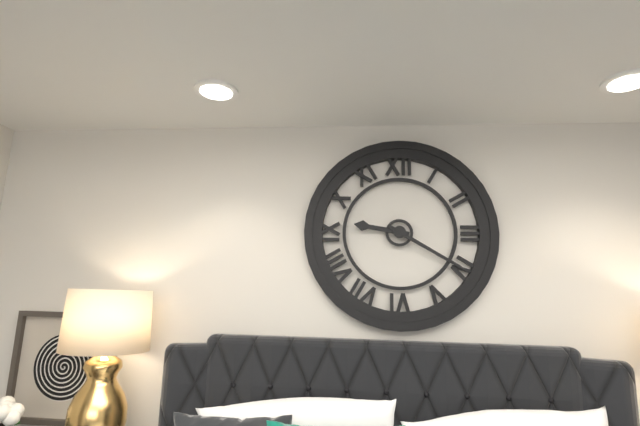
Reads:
{"hour": 9, "minute": 20}
